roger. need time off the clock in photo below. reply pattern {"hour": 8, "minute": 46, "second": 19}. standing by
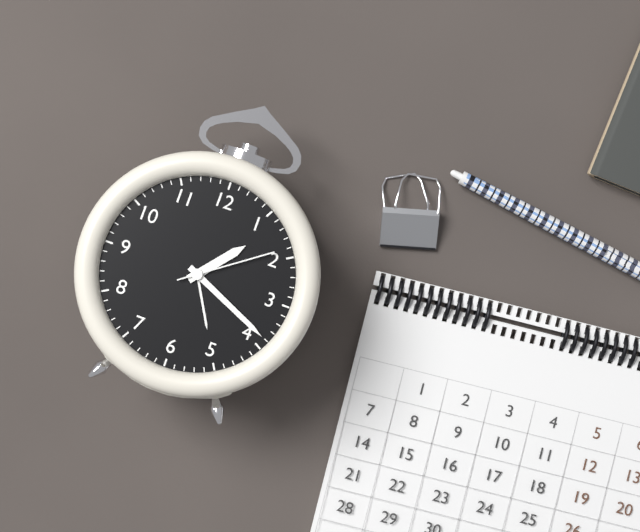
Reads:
{"hour": 1, "minute": 19, "second": 9}
